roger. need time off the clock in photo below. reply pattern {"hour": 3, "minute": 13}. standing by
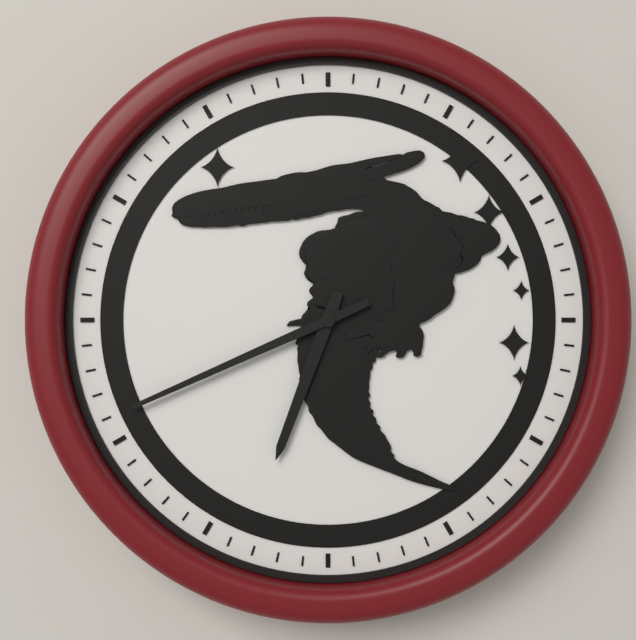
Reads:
{"hour": 6, "minute": 41}
